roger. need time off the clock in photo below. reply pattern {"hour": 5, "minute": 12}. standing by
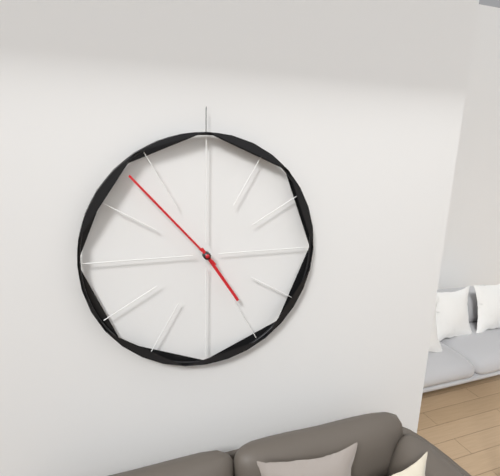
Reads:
{"hour": 4, "minute": 53}
